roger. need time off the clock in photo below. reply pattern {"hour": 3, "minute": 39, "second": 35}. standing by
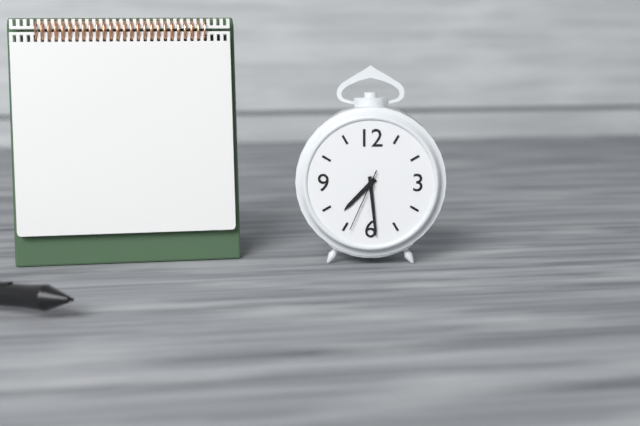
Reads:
{"hour": 7, "minute": 29, "second": 34}
